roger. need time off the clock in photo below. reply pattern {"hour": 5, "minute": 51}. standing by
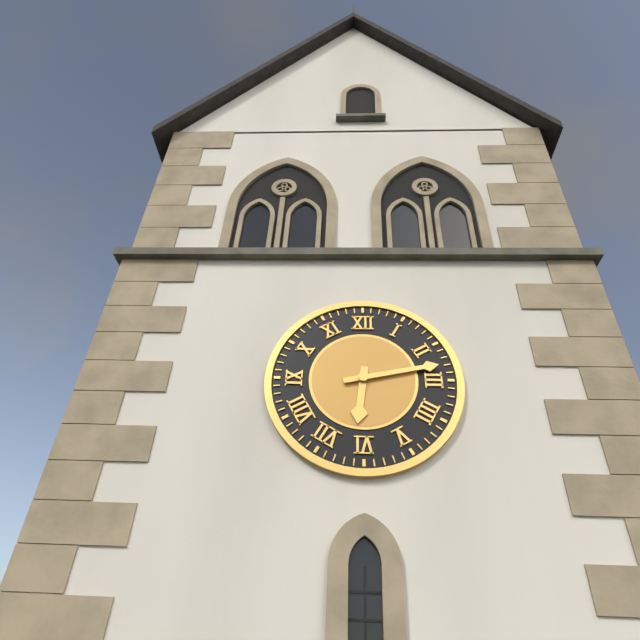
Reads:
{"hour": 6, "minute": 13}
